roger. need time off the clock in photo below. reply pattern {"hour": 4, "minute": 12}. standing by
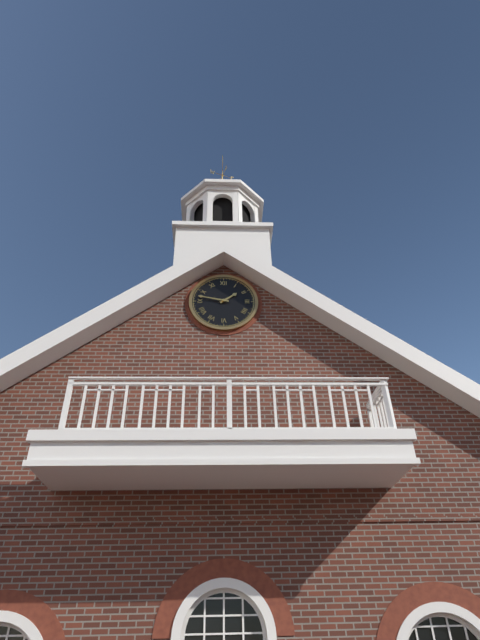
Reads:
{"hour": 1, "minute": 47}
